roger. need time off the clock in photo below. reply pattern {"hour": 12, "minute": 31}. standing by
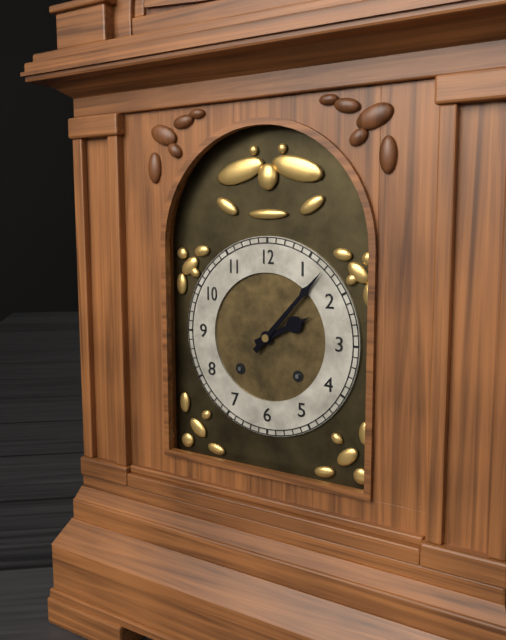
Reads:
{"hour": 2, "minute": 7}
